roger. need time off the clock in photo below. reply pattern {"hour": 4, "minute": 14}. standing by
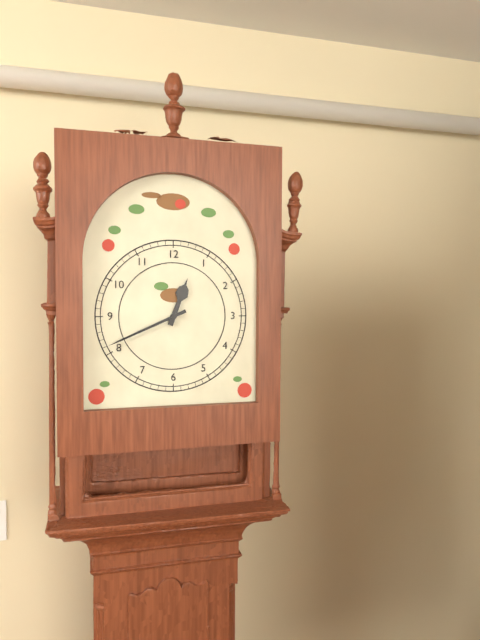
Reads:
{"hour": 12, "minute": 41}
